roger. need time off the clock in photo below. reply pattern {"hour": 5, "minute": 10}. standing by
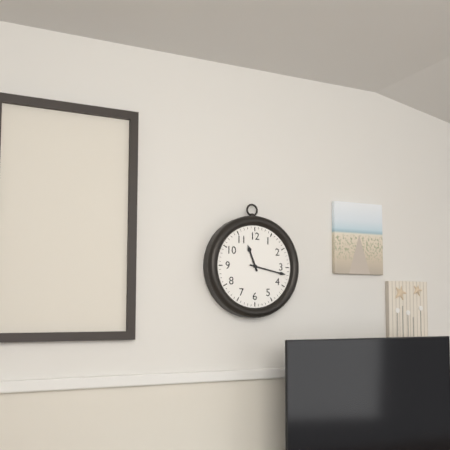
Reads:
{"hour": 11, "minute": 17}
